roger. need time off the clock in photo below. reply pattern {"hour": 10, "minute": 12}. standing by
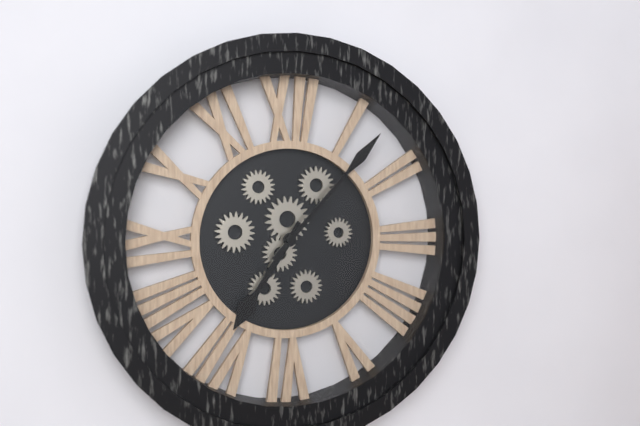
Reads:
{"hour": 7, "minute": 7}
